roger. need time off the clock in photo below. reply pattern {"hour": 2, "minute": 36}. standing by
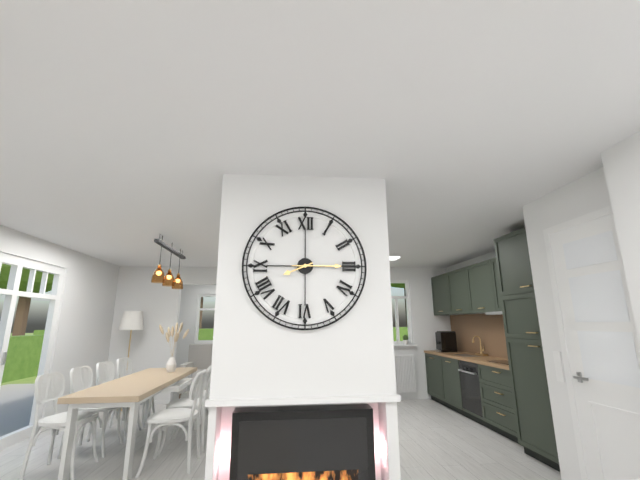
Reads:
{"hour": 8, "minute": 15}
